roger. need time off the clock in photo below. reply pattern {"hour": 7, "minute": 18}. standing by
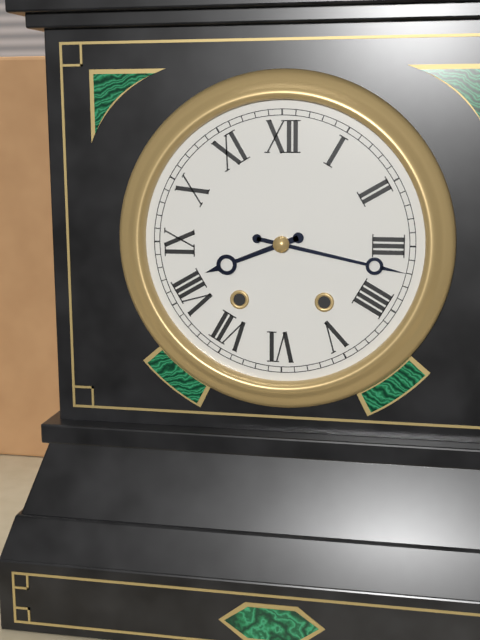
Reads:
{"hour": 8, "minute": 17}
